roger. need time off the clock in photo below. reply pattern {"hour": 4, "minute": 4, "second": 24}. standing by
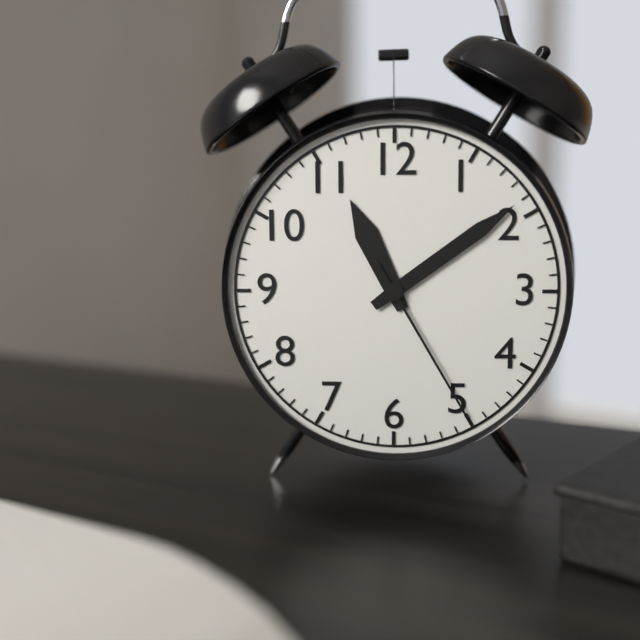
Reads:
{"hour": 11, "minute": 9, "second": 25}
